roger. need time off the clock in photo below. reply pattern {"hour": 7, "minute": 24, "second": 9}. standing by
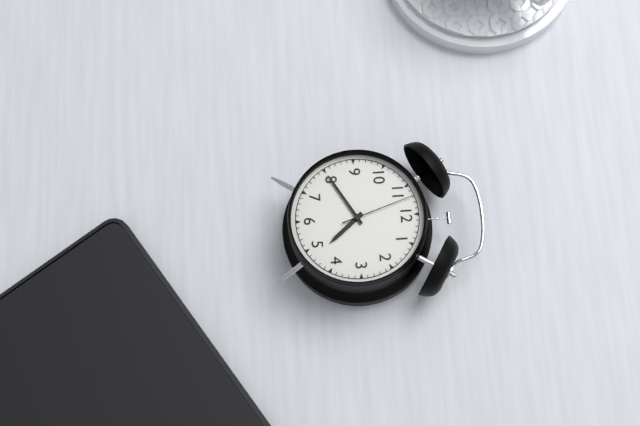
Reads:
{"hour": 4, "minute": 40, "second": 57}
